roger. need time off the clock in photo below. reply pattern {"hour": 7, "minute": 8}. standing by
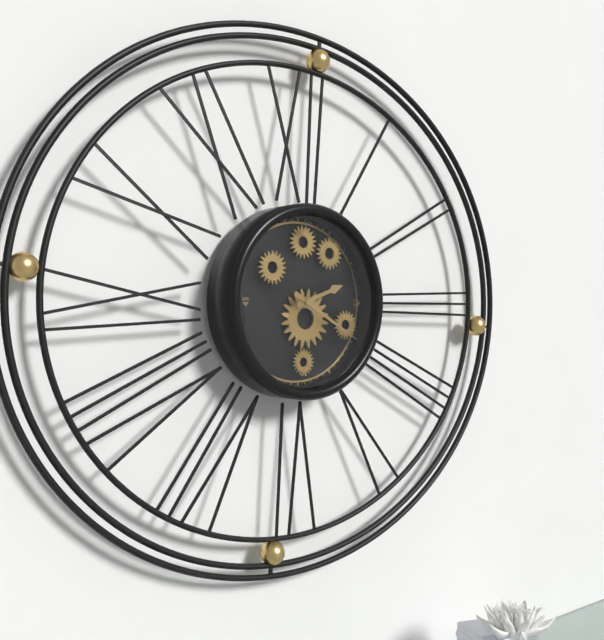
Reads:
{"hour": 2, "minute": 20}
